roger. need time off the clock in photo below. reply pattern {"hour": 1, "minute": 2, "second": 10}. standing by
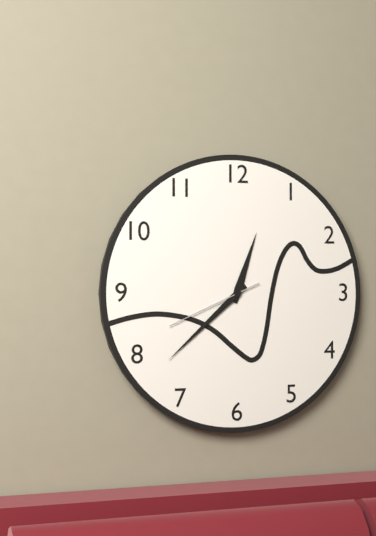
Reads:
{"hour": 12, "minute": 38, "second": 41}
